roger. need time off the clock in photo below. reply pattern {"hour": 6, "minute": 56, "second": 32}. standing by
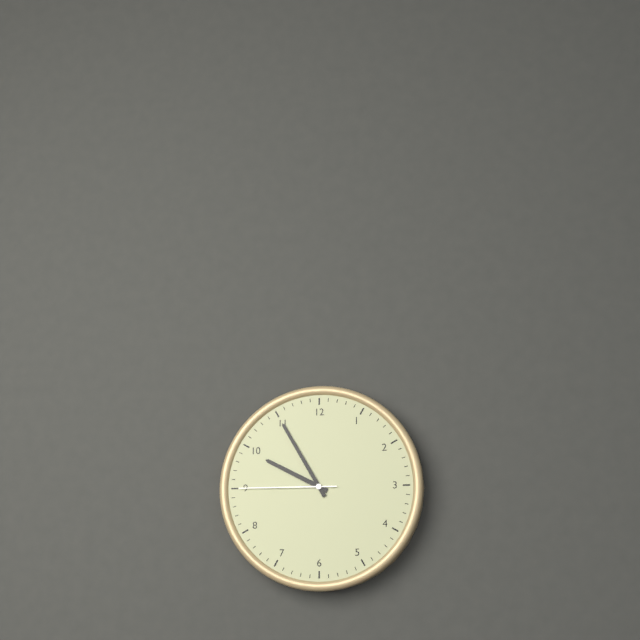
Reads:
{"hour": 9, "minute": 55, "second": 45}
